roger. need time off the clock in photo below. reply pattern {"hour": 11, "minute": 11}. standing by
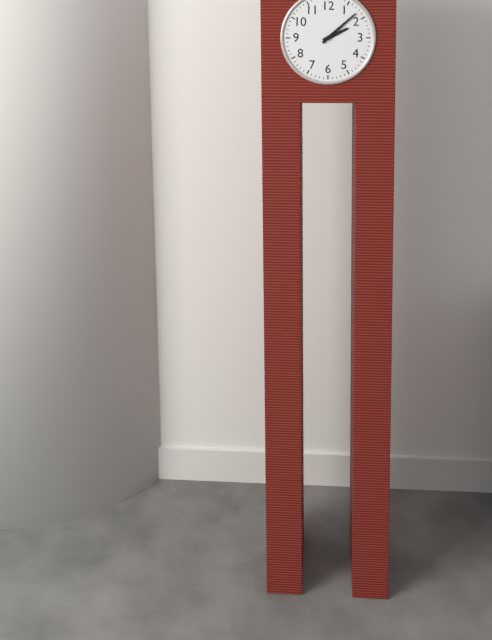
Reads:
{"hour": 2, "minute": 8}
